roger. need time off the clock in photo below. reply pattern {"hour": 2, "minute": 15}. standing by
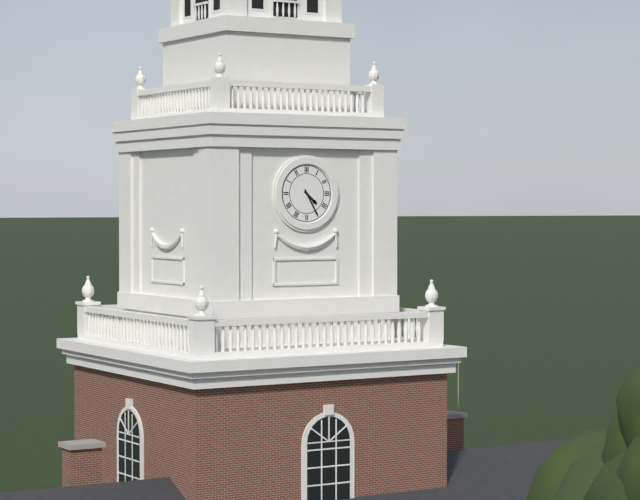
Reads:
{"hour": 4, "minute": 25}
